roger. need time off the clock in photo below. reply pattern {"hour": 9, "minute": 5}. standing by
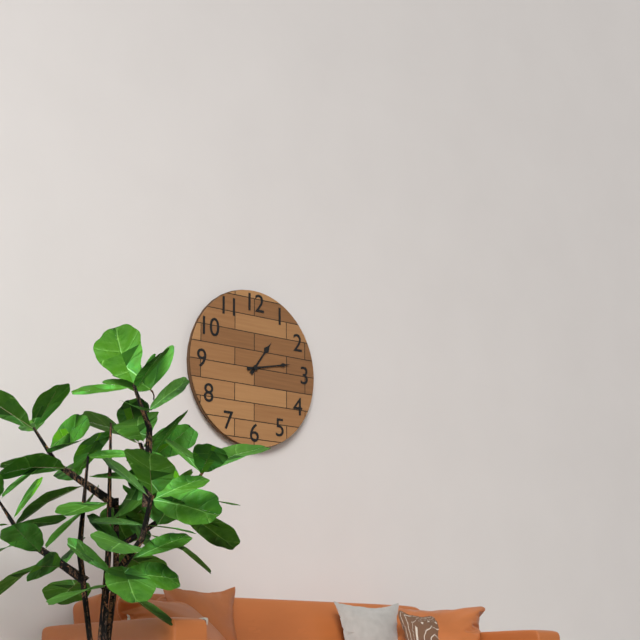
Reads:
{"hour": 1, "minute": 13}
